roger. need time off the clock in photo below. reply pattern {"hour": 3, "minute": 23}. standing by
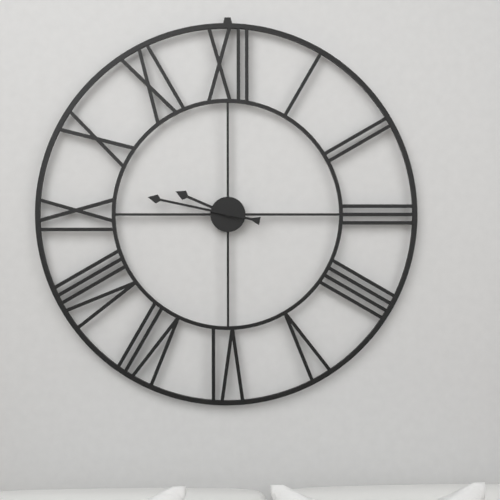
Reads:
{"hour": 9, "minute": 47}
